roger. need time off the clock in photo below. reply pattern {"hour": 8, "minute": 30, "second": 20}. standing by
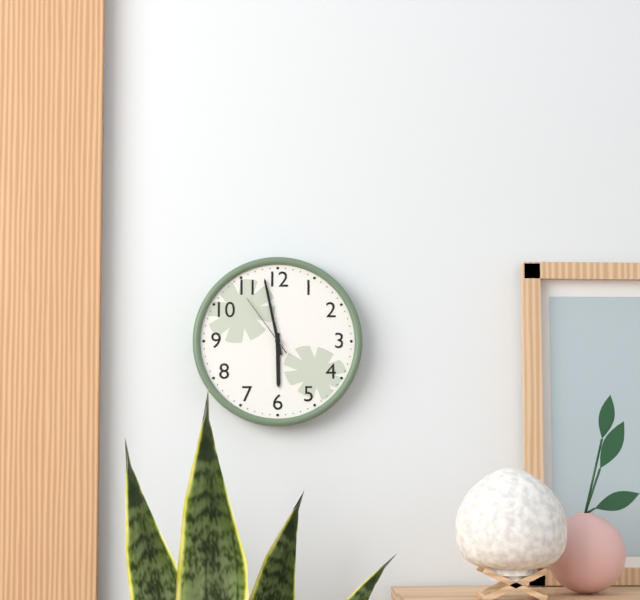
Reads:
{"hour": 5, "minute": 58, "second": 54}
